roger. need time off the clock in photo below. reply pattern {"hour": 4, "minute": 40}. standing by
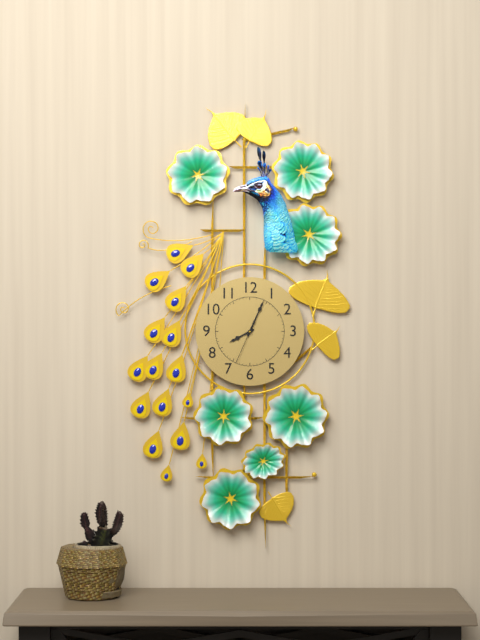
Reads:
{"hour": 8, "minute": 4}
